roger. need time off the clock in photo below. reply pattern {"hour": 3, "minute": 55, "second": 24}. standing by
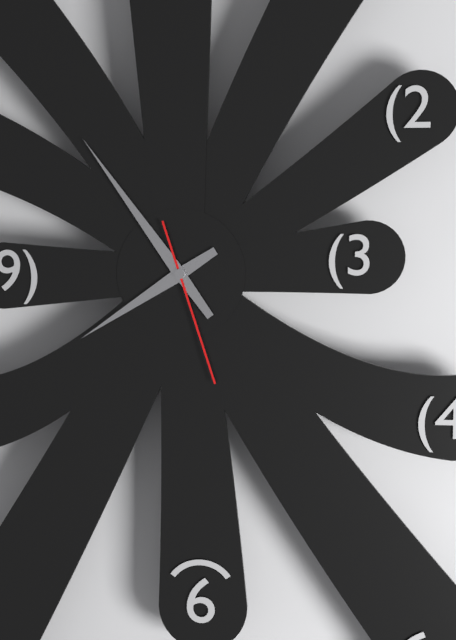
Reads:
{"hour": 7, "minute": 54, "second": 27}
